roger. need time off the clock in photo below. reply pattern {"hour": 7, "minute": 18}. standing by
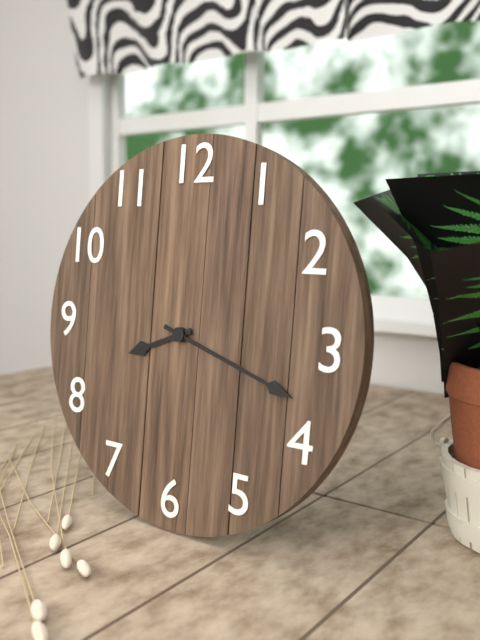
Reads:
{"hour": 8, "minute": 18}
